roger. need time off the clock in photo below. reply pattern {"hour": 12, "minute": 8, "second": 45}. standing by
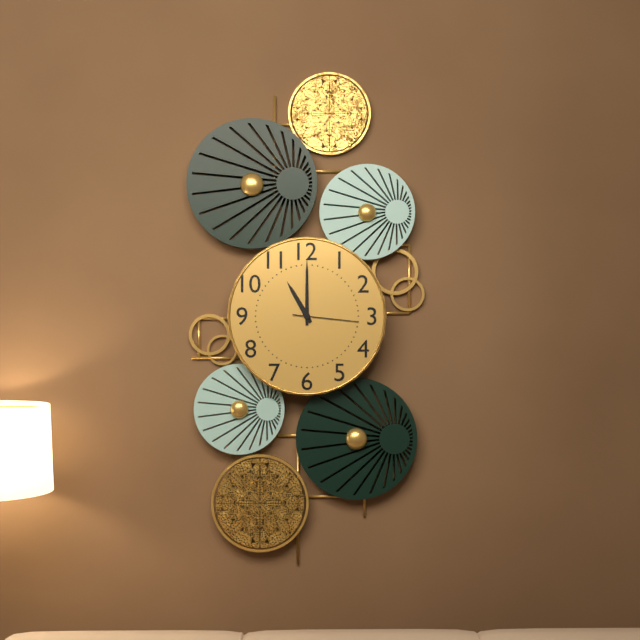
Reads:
{"hour": 11, "minute": 0, "second": 16}
